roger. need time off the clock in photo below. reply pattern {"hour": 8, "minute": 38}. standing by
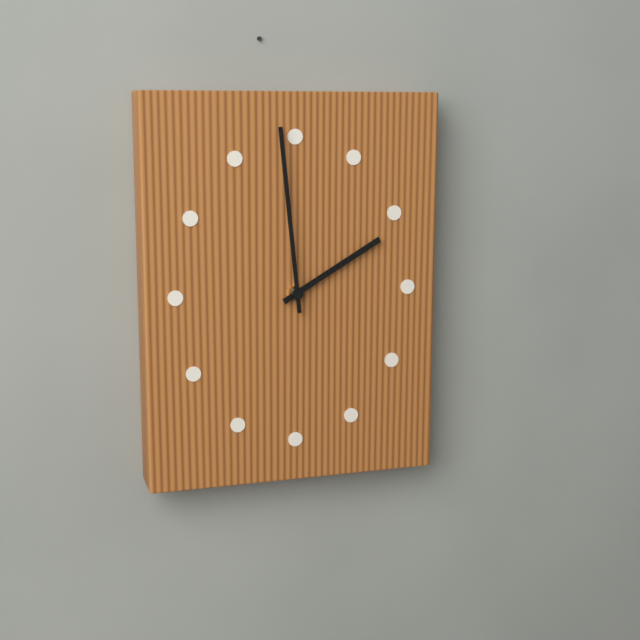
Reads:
{"hour": 1, "minute": 59}
